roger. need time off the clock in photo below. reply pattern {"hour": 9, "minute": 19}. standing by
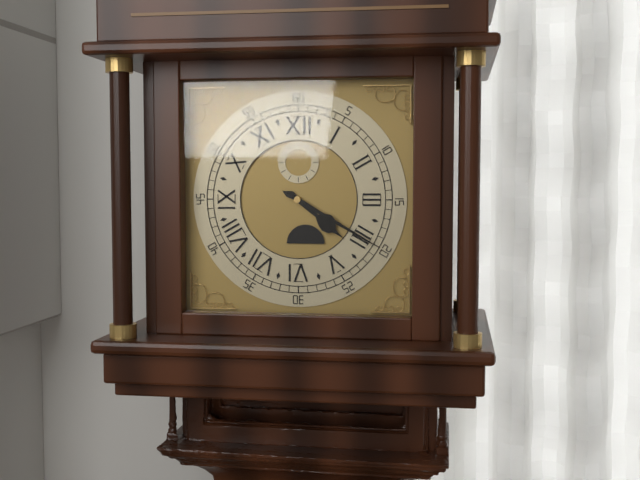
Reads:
{"hour": 4, "minute": 20}
